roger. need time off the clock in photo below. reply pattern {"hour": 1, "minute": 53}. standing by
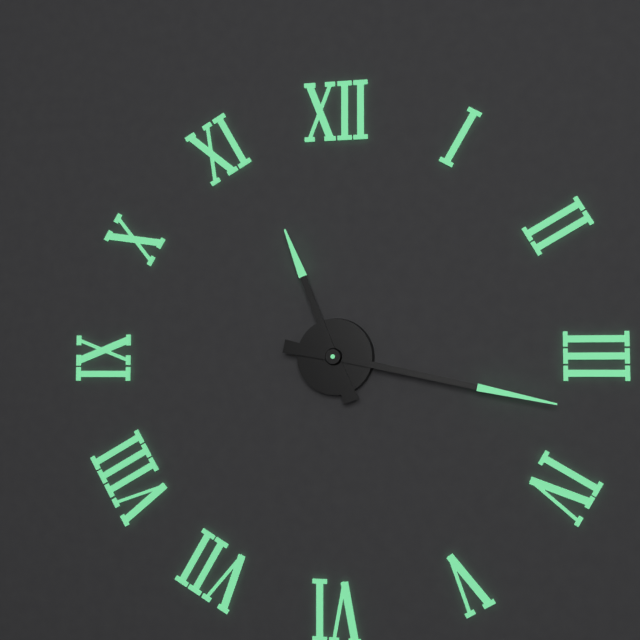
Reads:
{"hour": 11, "minute": 17}
